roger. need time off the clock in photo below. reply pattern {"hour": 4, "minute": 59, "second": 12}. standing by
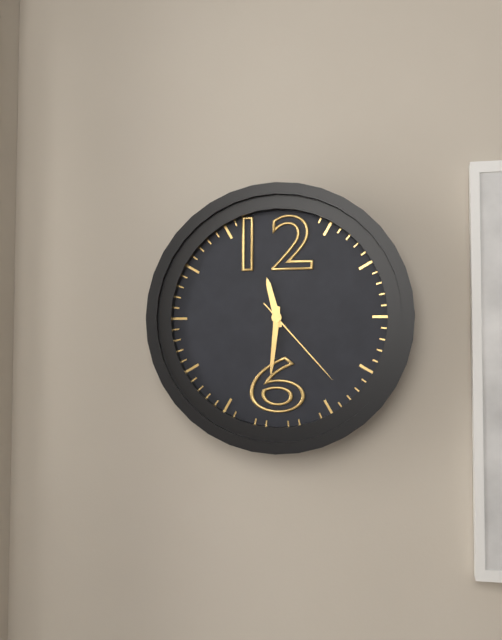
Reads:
{"hour": 11, "minute": 31, "second": 23}
